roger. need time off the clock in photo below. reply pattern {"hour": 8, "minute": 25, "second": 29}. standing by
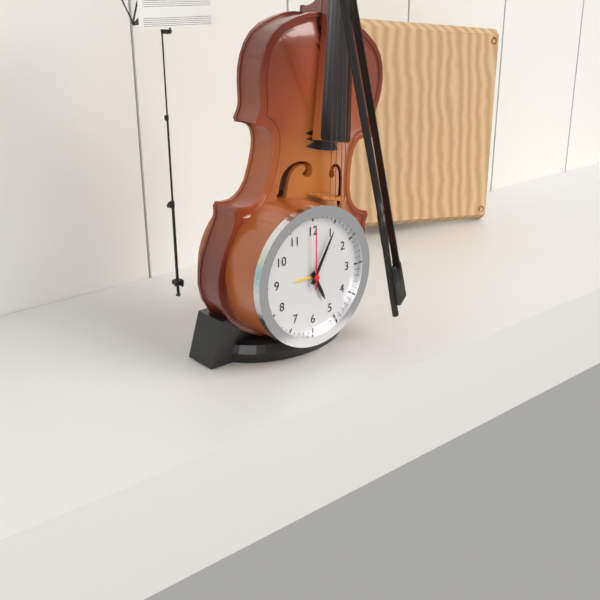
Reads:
{"hour": 5, "minute": 5, "second": 0}
